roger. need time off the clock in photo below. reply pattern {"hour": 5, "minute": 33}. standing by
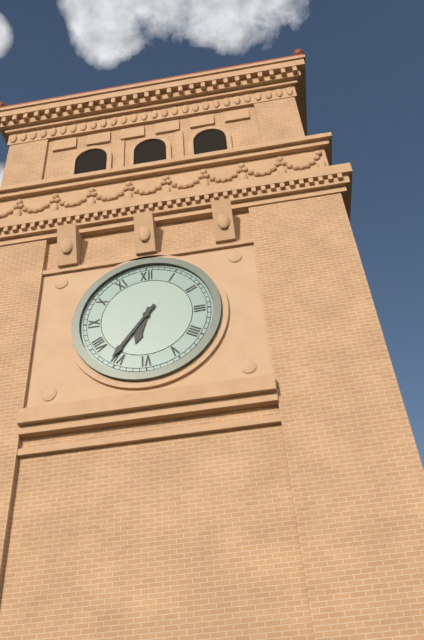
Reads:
{"hour": 6, "minute": 36}
